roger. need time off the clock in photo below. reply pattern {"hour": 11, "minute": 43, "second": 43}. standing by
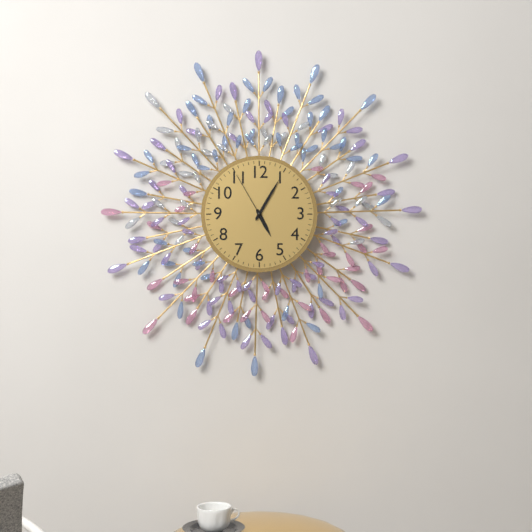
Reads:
{"hour": 5, "minute": 5, "second": 55}
